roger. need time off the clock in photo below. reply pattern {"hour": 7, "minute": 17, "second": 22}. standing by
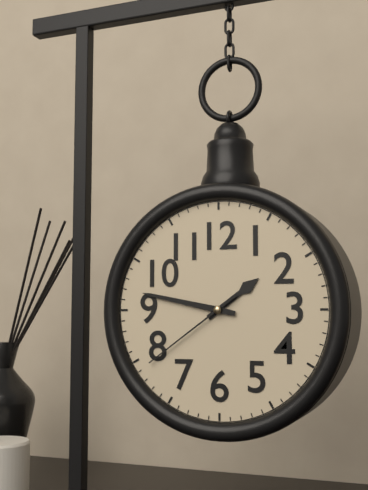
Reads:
{"hour": 1, "minute": 47, "second": 39}
